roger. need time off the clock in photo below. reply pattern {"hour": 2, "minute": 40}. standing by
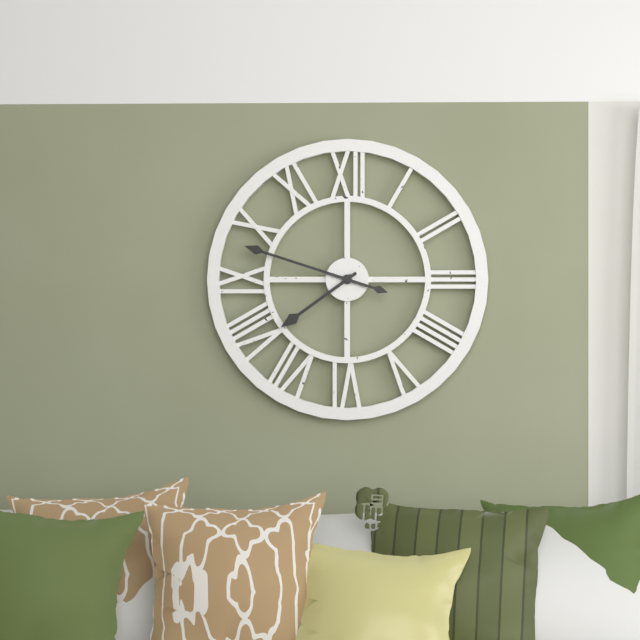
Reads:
{"hour": 7, "minute": 48}
